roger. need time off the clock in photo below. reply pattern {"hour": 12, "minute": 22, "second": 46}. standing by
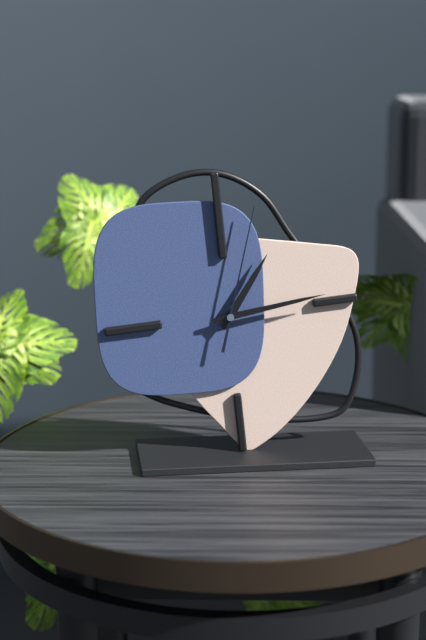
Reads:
{"hour": 1, "minute": 14, "second": 3}
